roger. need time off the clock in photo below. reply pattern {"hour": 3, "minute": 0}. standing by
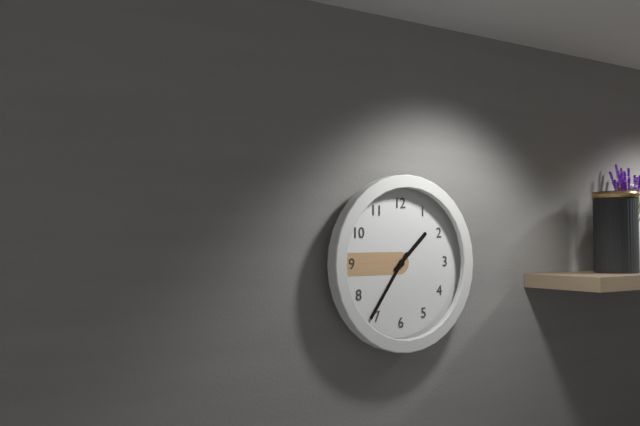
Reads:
{"hour": 1, "minute": 36}
